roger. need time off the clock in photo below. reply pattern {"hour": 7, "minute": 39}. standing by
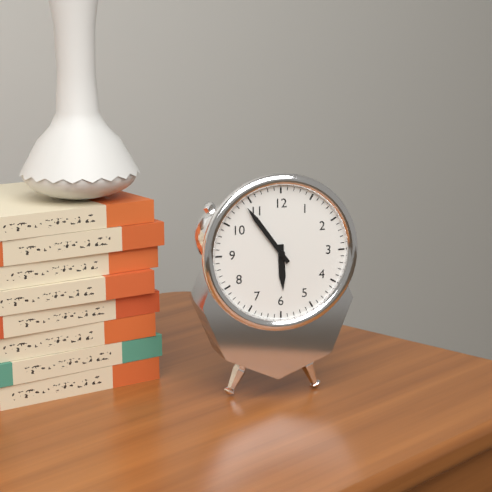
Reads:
{"hour": 5, "minute": 54}
